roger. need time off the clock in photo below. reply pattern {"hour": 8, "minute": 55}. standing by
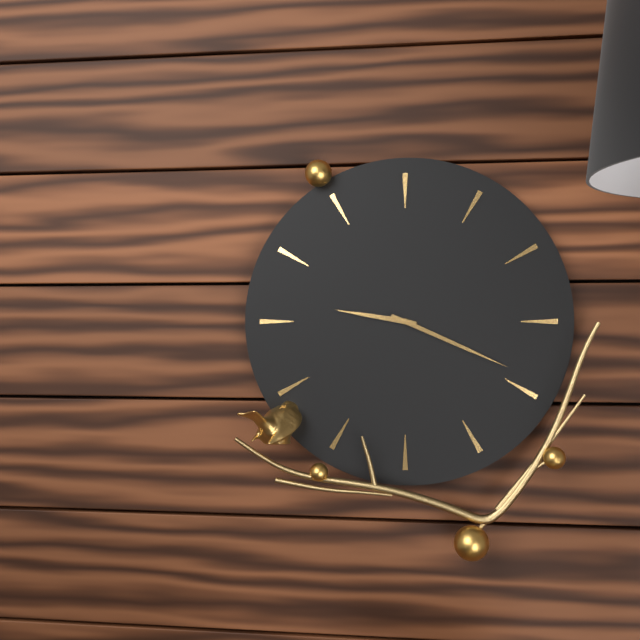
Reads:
{"hour": 9, "minute": 19}
